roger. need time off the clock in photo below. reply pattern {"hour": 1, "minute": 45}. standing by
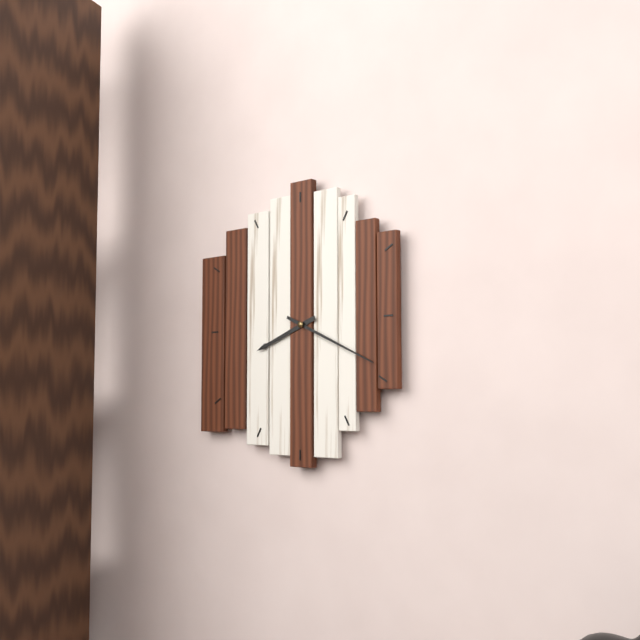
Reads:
{"hour": 8, "minute": 19}
